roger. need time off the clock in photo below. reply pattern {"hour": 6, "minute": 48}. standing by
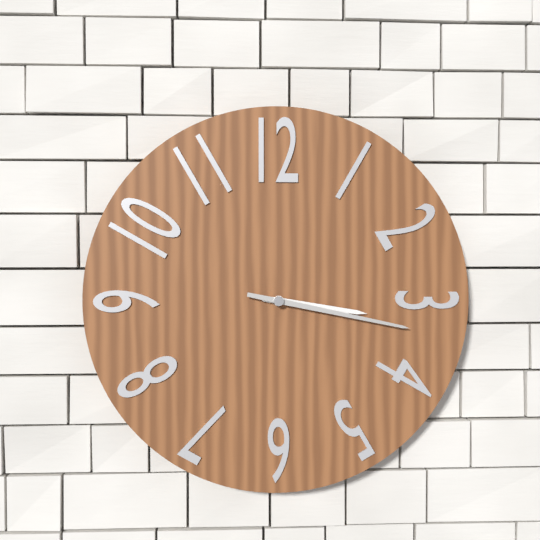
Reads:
{"hour": 3, "minute": 17}
